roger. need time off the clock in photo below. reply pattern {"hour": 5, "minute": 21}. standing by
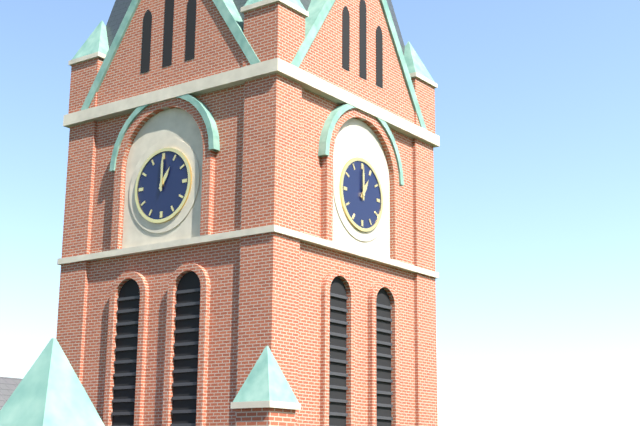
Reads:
{"hour": 1, "minute": 0}
